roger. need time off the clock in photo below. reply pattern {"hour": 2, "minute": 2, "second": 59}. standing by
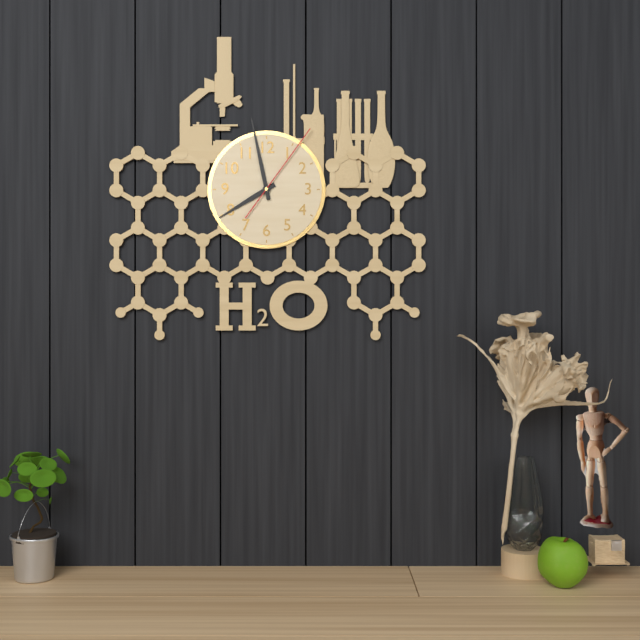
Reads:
{"hour": 7, "minute": 58, "second": 6}
